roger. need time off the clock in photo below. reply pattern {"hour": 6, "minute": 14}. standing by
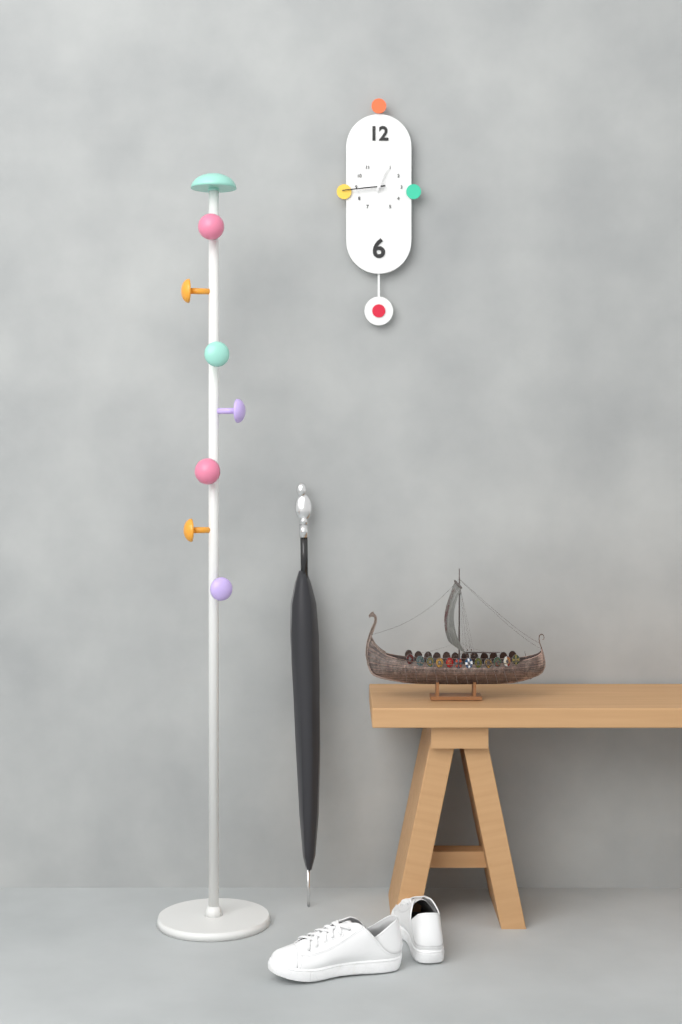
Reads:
{"hour": 12, "minute": 44}
